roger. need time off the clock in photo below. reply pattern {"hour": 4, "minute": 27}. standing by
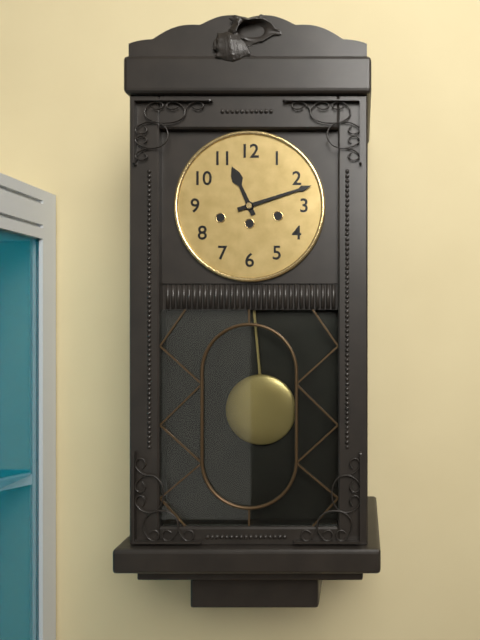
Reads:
{"hour": 11, "minute": 12}
